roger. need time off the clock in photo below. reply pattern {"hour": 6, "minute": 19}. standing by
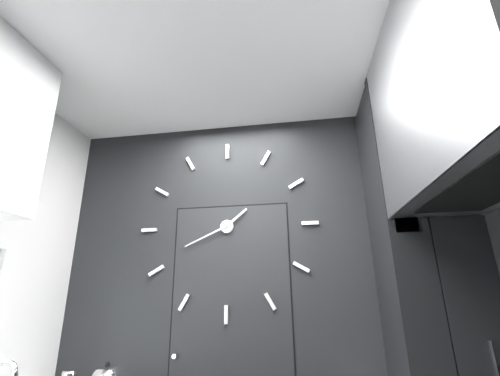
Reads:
{"hour": 1, "minute": 41}
